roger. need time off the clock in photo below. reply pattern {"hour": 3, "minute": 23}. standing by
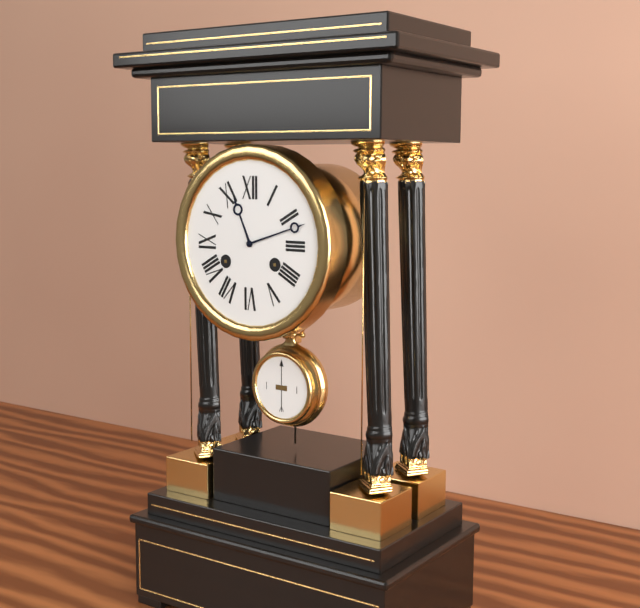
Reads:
{"hour": 11, "minute": 12}
